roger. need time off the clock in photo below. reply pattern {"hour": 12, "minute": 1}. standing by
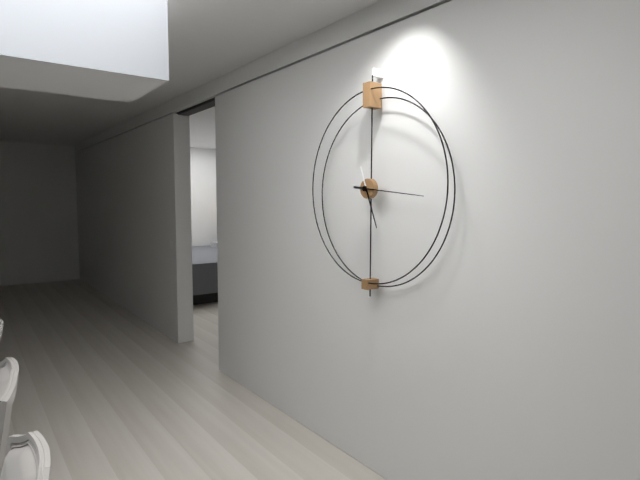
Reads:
{"hour": 5, "minute": 16}
